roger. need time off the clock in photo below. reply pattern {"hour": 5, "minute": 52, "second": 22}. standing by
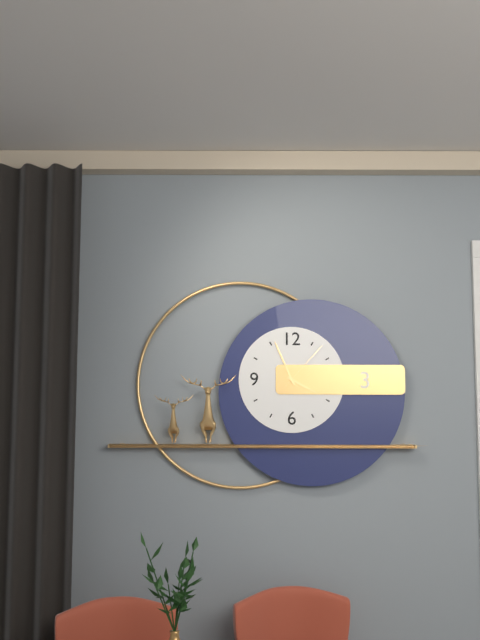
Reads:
{"hour": 3, "minute": 56, "second": 7}
